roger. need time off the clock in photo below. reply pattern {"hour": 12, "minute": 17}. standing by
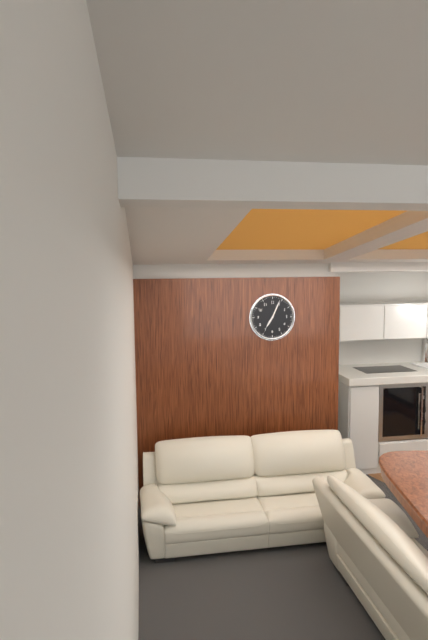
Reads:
{"hour": 7, "minute": 4}
